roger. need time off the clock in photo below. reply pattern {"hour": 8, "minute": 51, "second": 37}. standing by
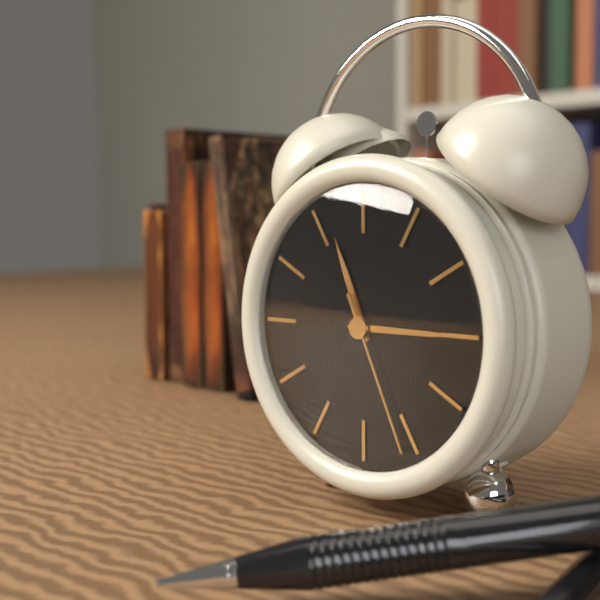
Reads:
{"hour": 11, "minute": 15, "second": 26}
